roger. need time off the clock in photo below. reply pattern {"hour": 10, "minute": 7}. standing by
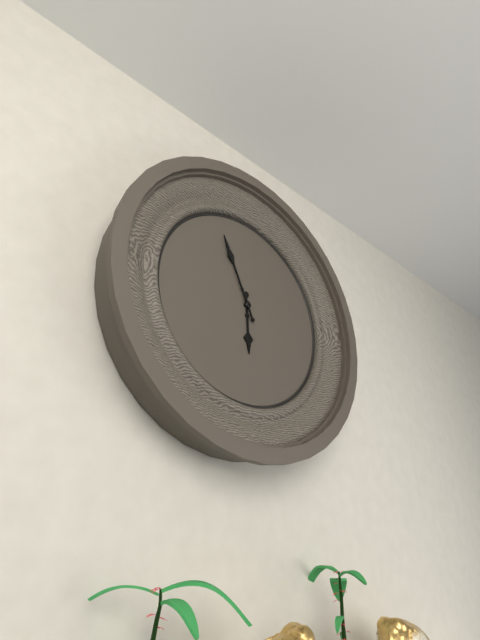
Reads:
{"hour": 5, "minute": 56}
